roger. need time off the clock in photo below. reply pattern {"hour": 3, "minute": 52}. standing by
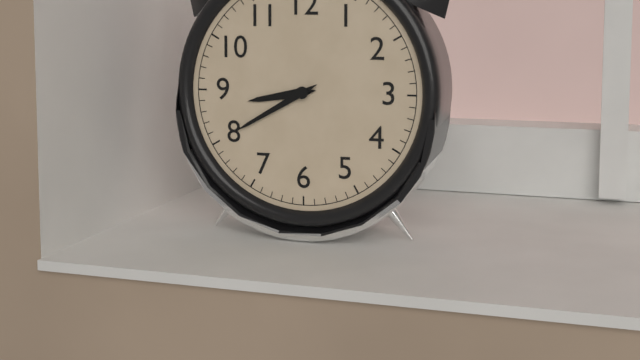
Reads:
{"hour": 8, "minute": 40}
